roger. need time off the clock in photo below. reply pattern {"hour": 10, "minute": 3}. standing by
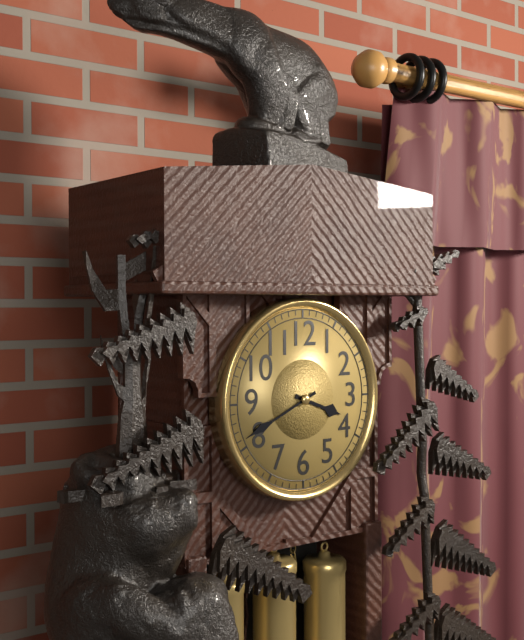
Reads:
{"hour": 3, "minute": 41}
